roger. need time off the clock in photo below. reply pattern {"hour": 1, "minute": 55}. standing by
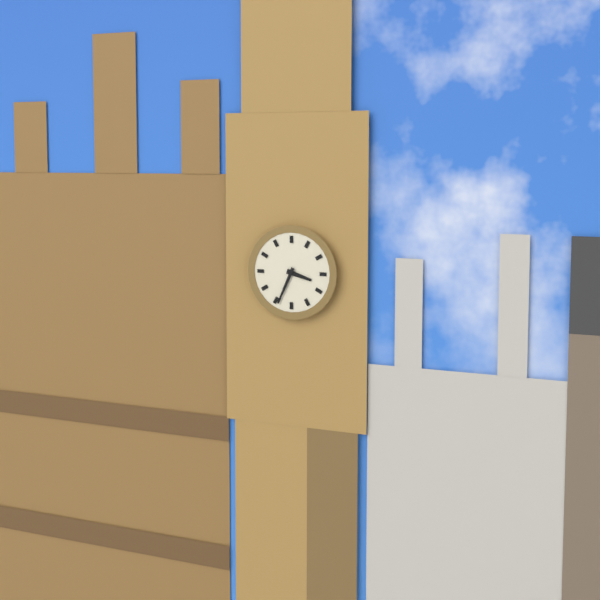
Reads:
{"hour": 3, "minute": 34}
